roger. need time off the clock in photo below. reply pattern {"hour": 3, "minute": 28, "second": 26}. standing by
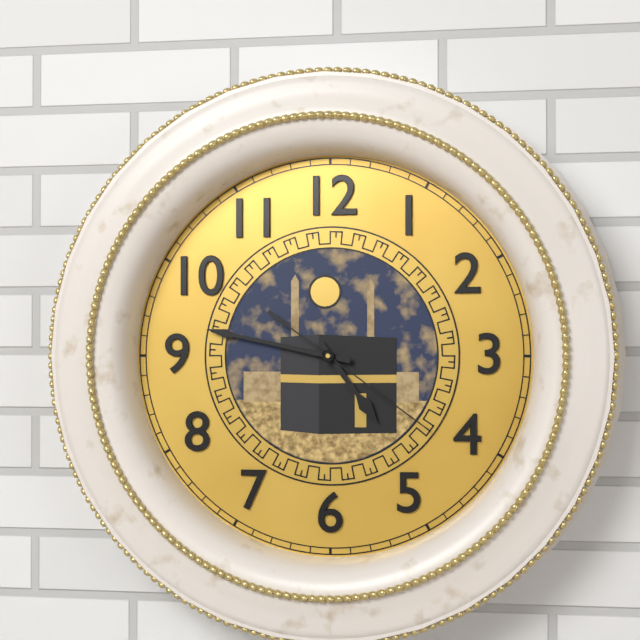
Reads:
{"hour": 4, "minute": 47, "second": 21}
